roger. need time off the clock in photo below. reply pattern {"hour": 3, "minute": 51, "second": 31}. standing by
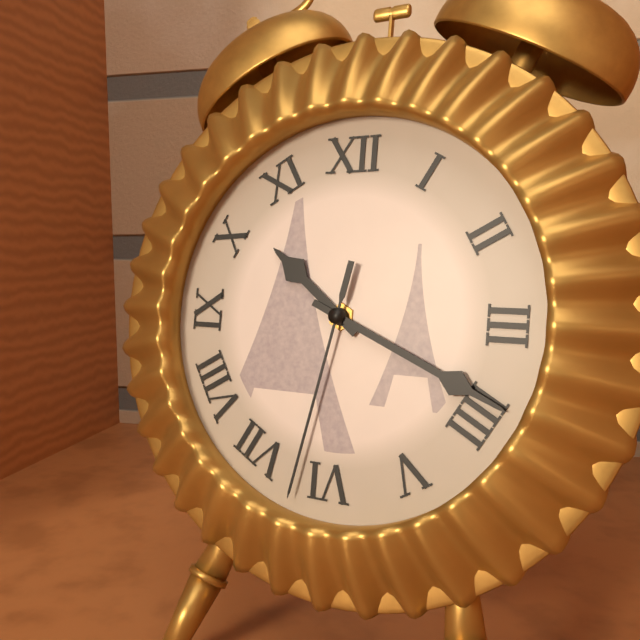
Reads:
{"hour": 10, "minute": 19, "second": 32}
